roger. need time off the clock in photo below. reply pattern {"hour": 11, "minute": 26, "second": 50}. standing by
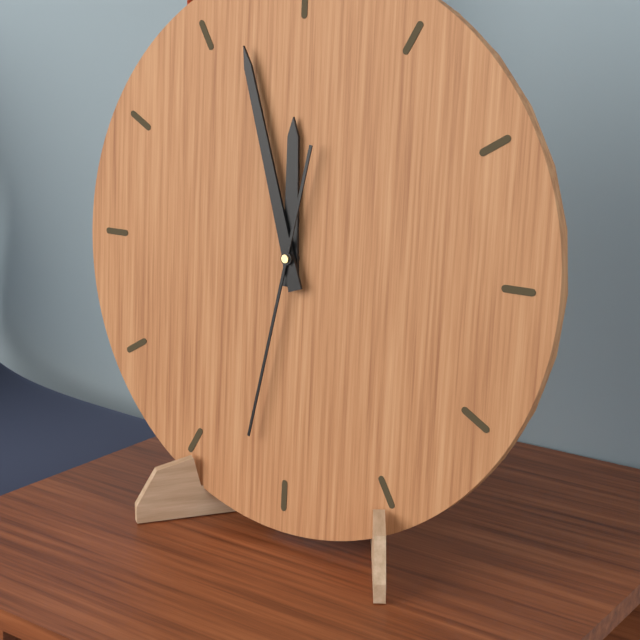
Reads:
{"hour": 11, "minute": 57, "second": 32}
